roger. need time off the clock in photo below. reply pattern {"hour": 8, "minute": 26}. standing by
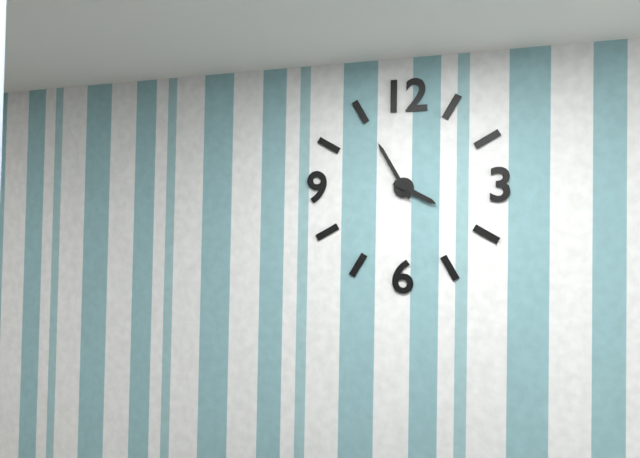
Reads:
{"hour": 3, "minute": 55}
